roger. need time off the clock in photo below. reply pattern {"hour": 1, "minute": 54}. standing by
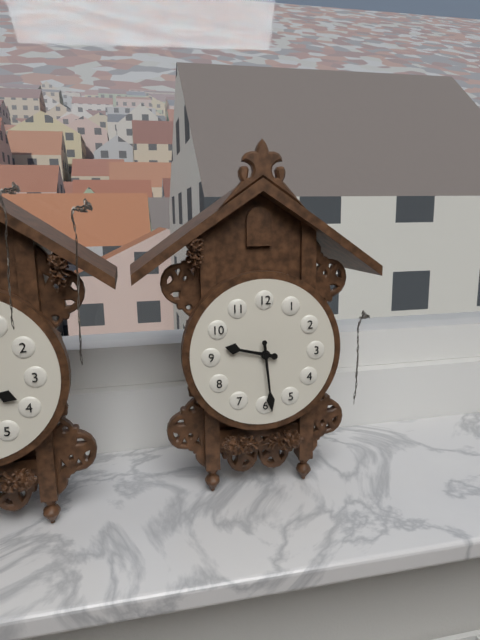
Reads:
{"hour": 9, "minute": 29}
